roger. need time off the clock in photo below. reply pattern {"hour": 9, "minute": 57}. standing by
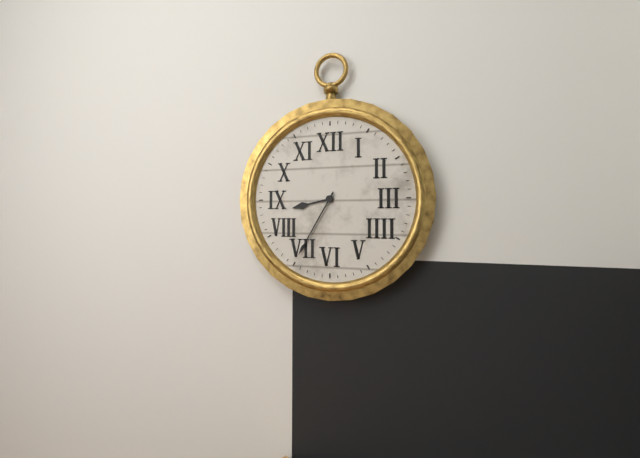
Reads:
{"hour": 8, "minute": 35}
